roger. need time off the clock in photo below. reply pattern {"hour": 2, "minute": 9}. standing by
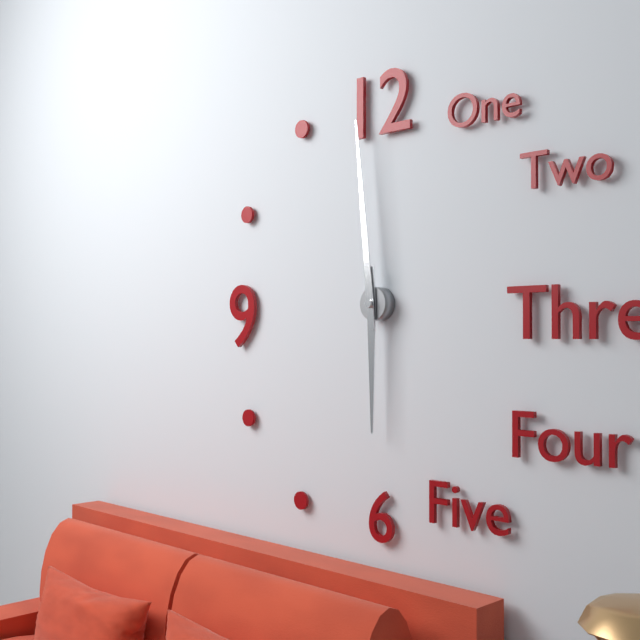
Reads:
{"hour": 5, "minute": 59}
